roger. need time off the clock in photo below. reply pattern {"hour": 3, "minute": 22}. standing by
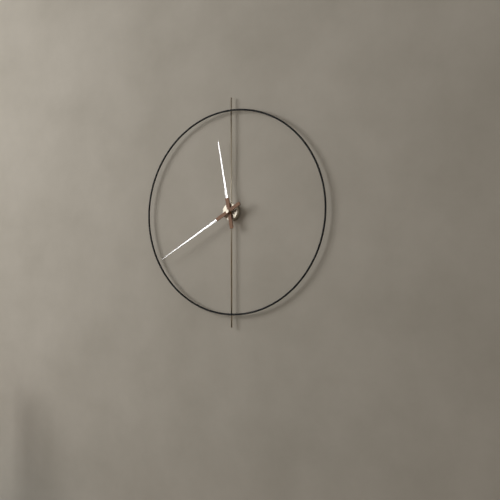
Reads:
{"hour": 11, "minute": 40}
